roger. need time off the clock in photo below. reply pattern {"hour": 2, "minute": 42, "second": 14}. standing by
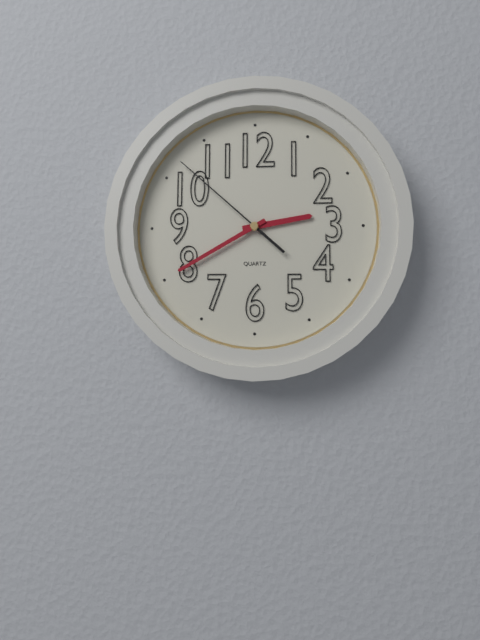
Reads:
{"hour": 2, "minute": 40, "second": 52}
